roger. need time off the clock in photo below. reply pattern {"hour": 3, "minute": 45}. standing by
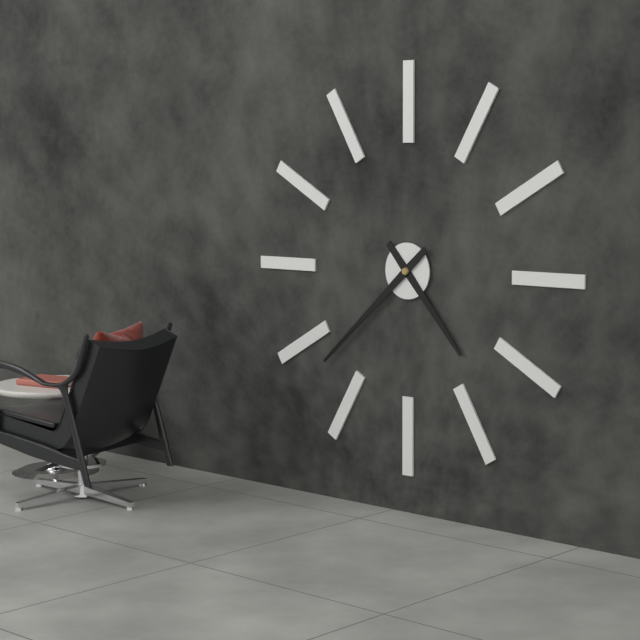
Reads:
{"hour": 4, "minute": 38}
